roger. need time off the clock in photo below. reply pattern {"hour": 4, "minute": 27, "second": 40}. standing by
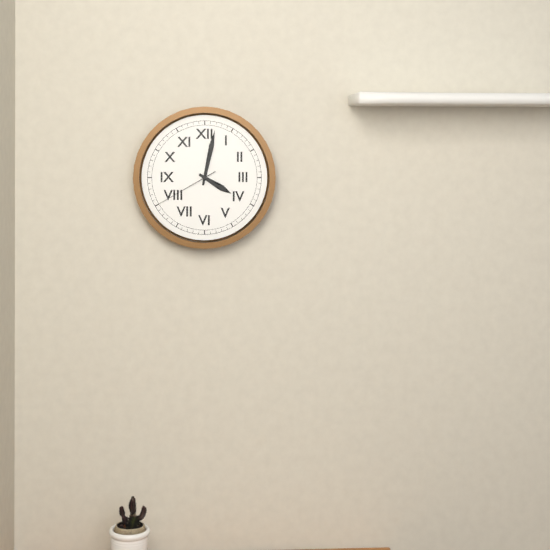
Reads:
{"hour": 4, "minute": 2, "second": 40}
